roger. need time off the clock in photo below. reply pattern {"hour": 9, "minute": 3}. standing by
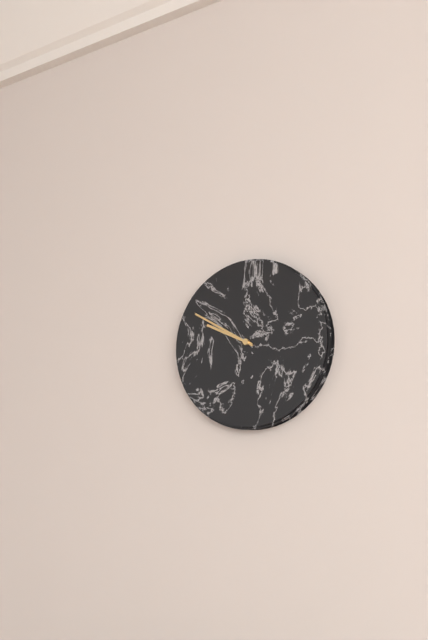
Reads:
{"hour": 9, "minute": 50}
